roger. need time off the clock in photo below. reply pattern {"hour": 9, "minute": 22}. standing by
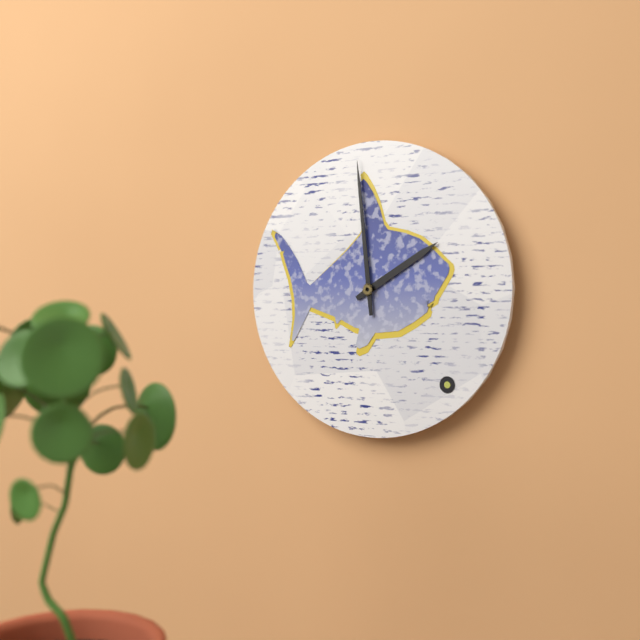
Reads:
{"hour": 1, "minute": 59}
